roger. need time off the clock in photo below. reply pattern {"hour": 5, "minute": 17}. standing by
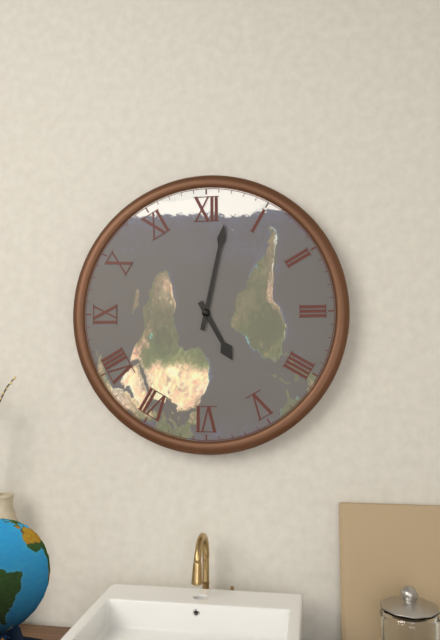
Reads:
{"hour": 5, "minute": 2}
